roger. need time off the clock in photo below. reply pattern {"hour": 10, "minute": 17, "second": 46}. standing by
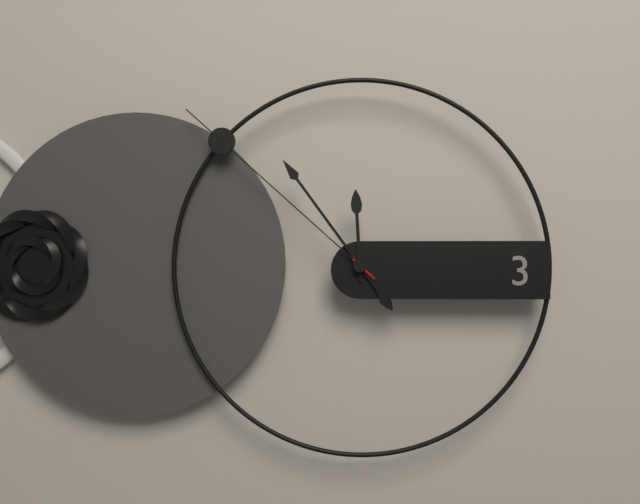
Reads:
{"hour": 11, "minute": 54, "second": 52}
